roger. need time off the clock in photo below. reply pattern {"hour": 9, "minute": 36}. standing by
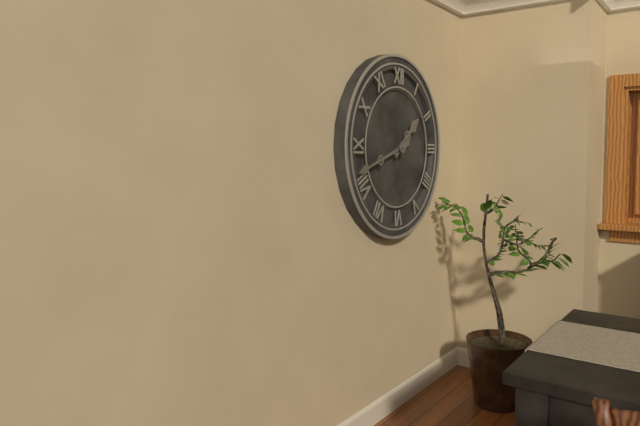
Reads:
{"hour": 1, "minute": 42}
